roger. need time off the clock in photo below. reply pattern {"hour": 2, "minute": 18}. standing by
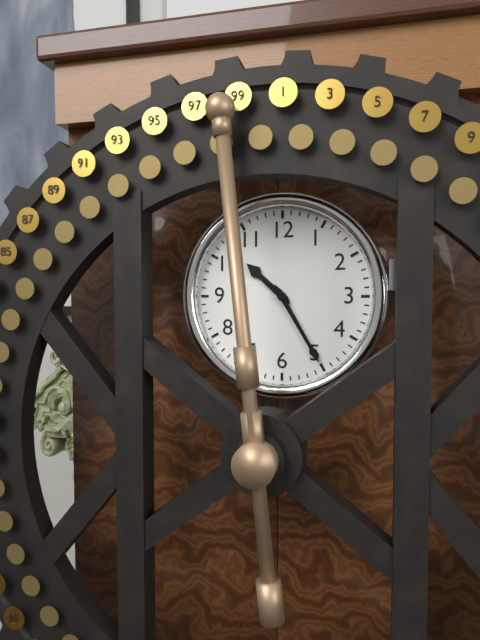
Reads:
{"hour": 10, "minute": 25}
